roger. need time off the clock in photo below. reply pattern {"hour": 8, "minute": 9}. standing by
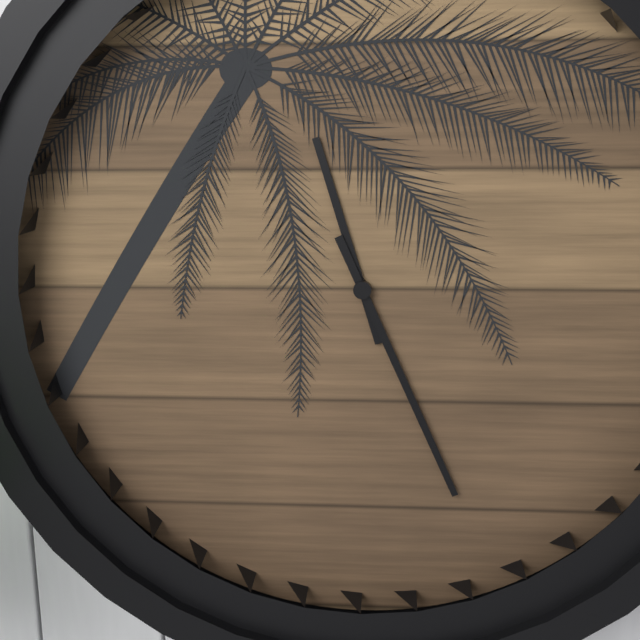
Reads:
{"hour": 11, "minute": 26}
